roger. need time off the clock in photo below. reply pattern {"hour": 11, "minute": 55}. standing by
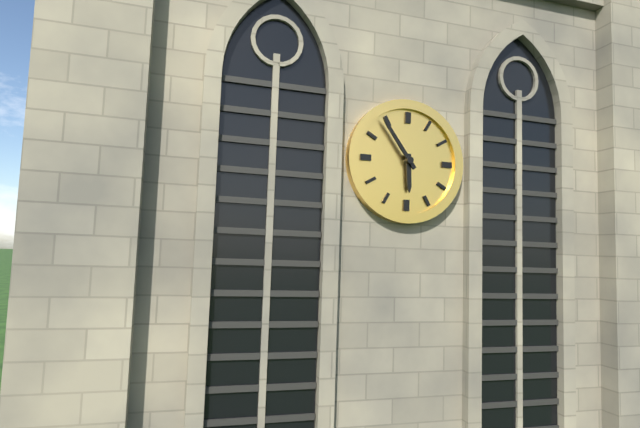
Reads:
{"hour": 5, "minute": 54}
